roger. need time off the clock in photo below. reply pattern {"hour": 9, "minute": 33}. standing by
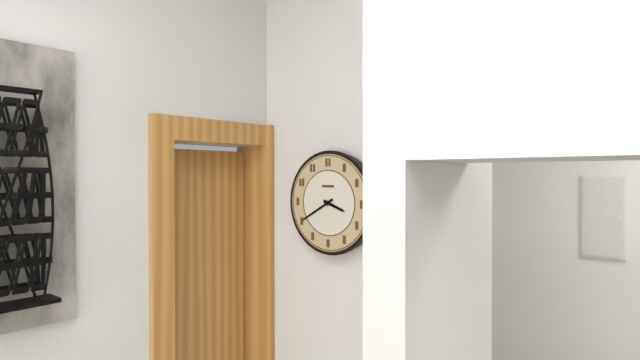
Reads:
{"hour": 3, "minute": 40}
